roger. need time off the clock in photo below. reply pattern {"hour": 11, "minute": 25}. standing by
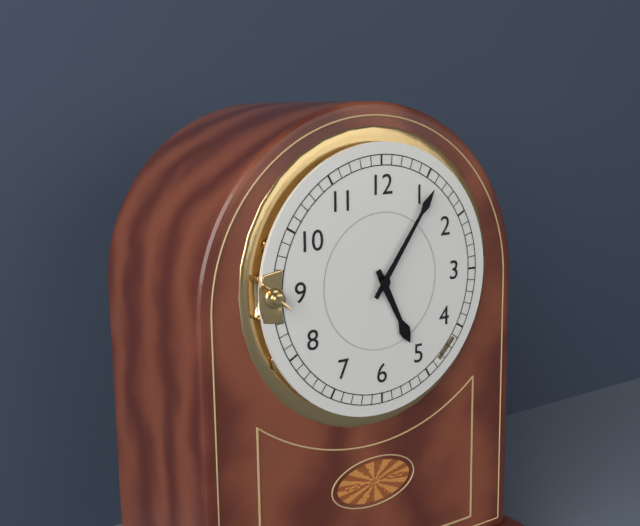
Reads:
{"hour": 5, "minute": 6}
